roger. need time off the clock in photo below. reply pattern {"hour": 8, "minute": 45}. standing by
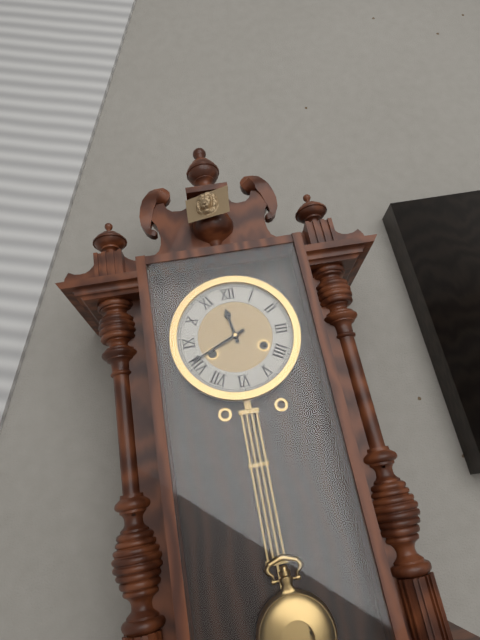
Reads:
{"hour": 11, "minute": 41}
